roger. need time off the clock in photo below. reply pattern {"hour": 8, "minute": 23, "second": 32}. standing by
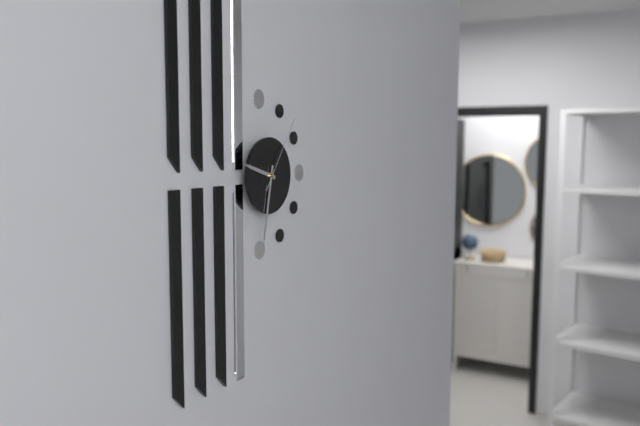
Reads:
{"hour": 9, "minute": 32, "second": 6}
